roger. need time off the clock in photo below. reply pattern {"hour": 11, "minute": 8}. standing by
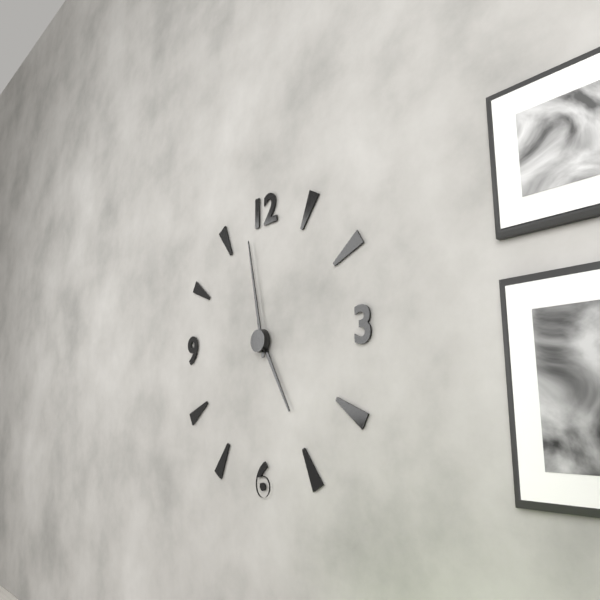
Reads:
{"hour": 4, "minute": 58}
